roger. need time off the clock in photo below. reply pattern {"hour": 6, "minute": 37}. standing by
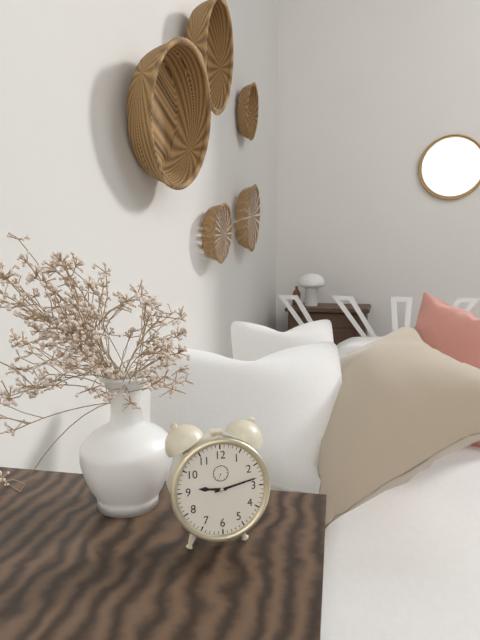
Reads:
{"hour": 9, "minute": 13}
